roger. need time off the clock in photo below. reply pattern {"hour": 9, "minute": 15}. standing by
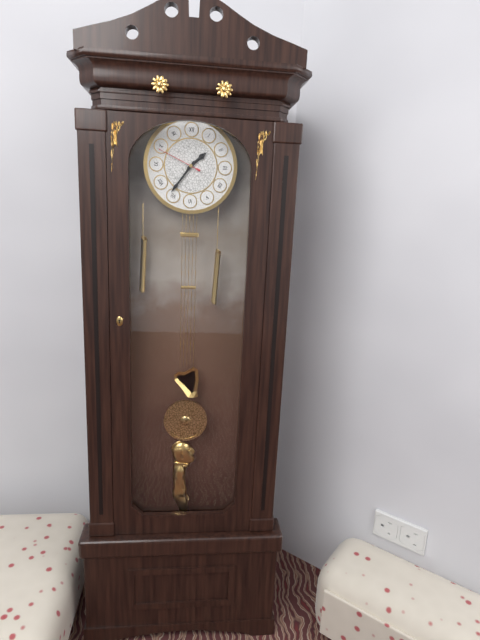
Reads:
{"hour": 1, "minute": 36}
